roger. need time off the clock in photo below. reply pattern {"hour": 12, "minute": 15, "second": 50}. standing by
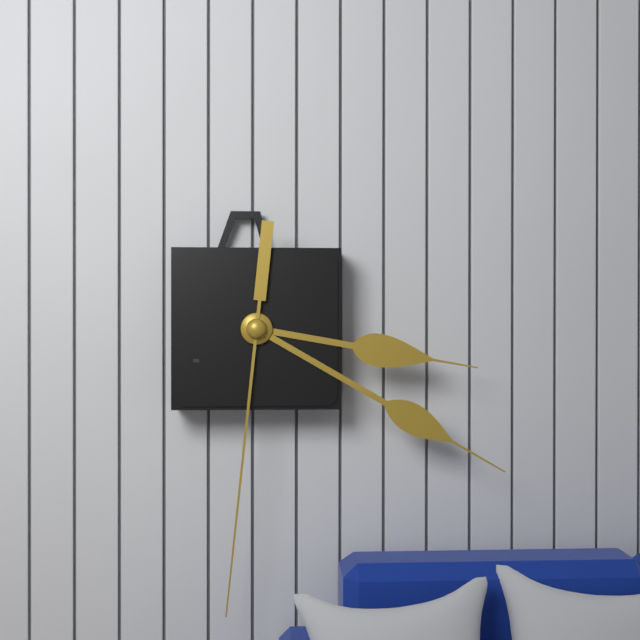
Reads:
{"hour": 3, "minute": 20, "second": 31}
